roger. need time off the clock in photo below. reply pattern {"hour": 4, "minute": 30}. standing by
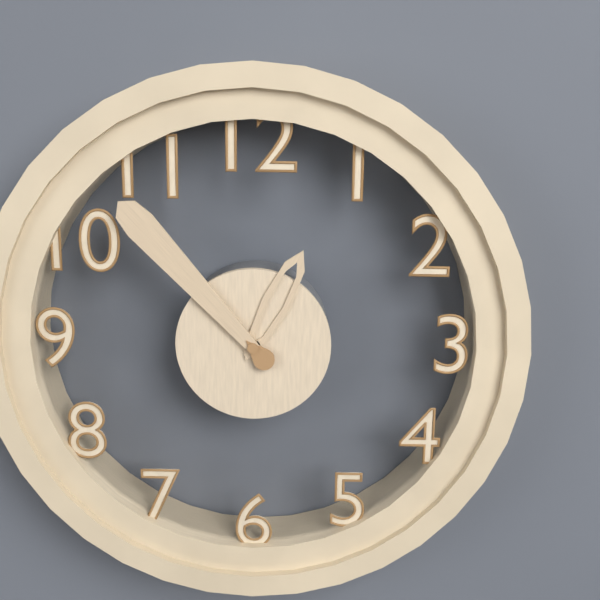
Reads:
{"hour": 12, "minute": 53}
